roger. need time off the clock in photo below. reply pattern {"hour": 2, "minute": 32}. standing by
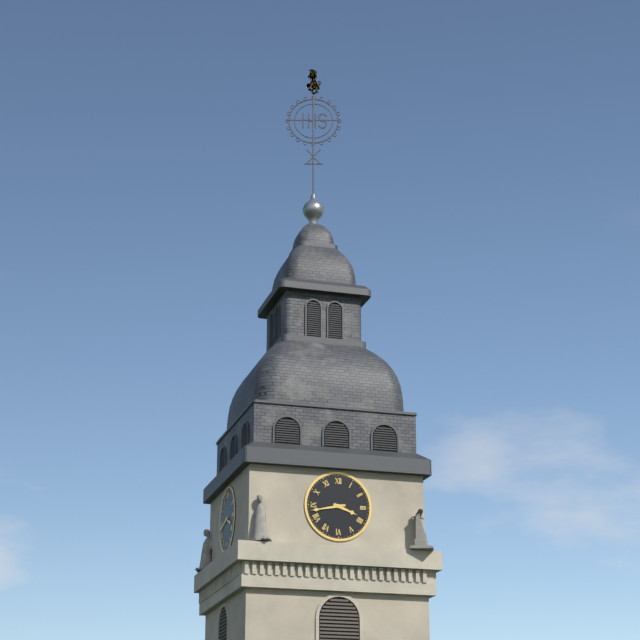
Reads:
{"hour": 3, "minute": 43}
